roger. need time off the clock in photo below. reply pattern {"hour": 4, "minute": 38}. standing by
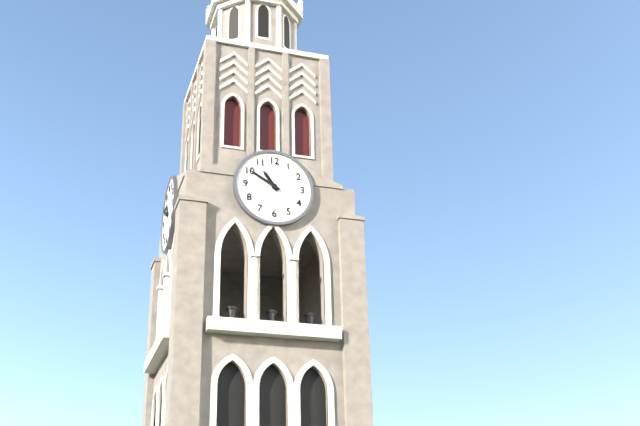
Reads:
{"hour": 10, "minute": 50}
